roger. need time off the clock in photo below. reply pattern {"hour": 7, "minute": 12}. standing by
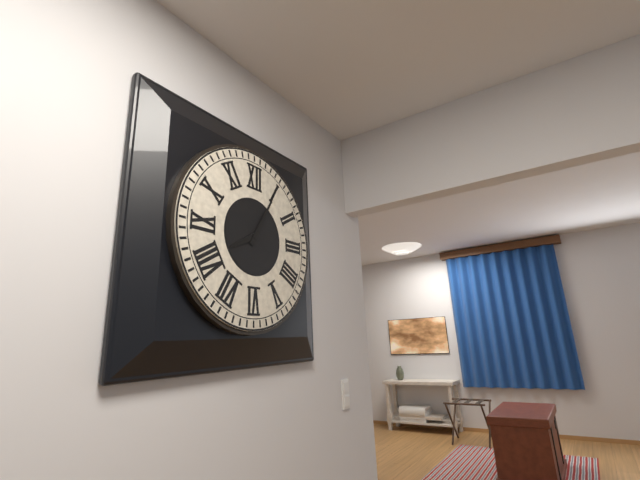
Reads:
{"hour": 8, "minute": 5}
